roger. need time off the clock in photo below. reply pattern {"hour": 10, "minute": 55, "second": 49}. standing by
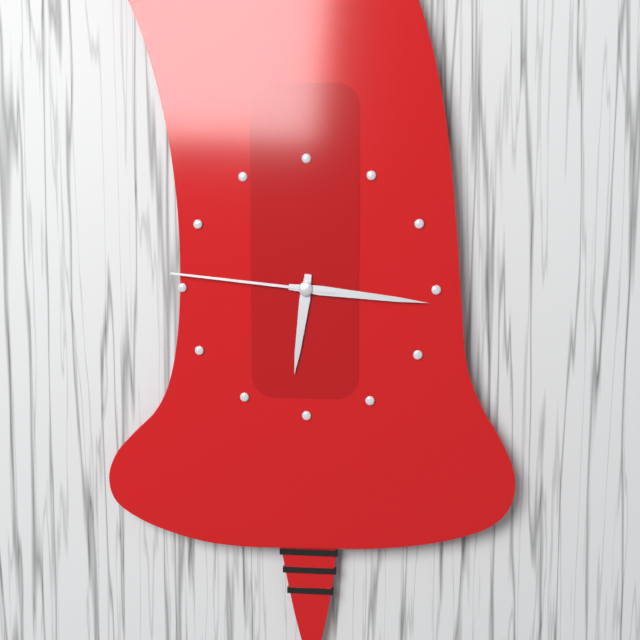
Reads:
{"hour": 6, "minute": 16, "second": 46}
